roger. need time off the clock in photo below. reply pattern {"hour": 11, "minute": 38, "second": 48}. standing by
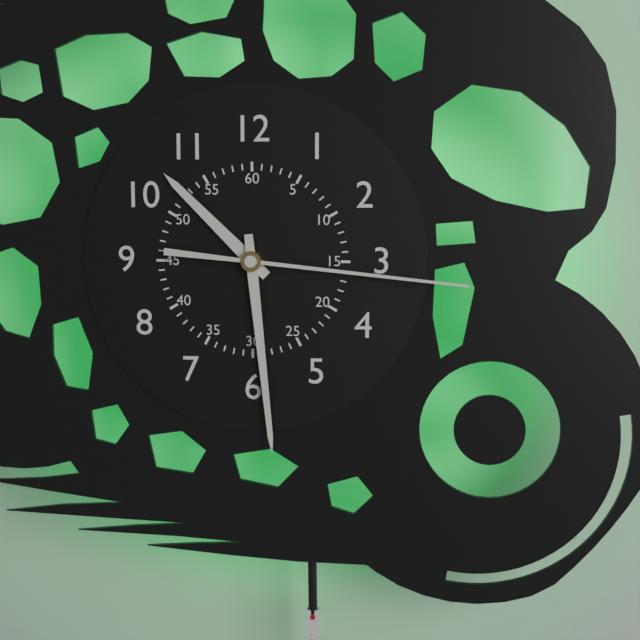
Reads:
{"hour": 10, "minute": 29, "second": 16}
